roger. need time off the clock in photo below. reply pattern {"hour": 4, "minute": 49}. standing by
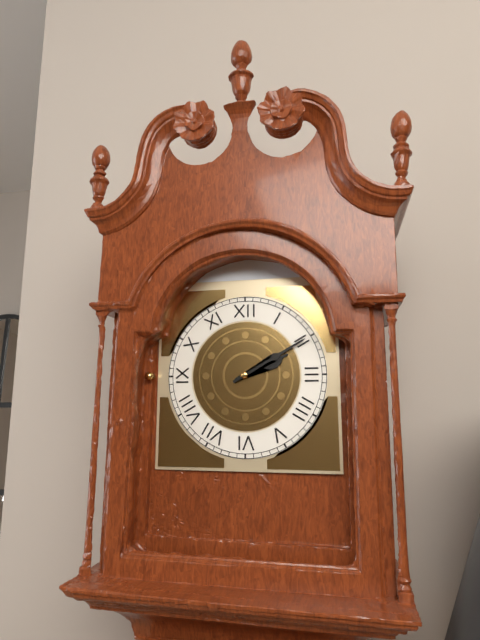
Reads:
{"hour": 2, "minute": 10}
